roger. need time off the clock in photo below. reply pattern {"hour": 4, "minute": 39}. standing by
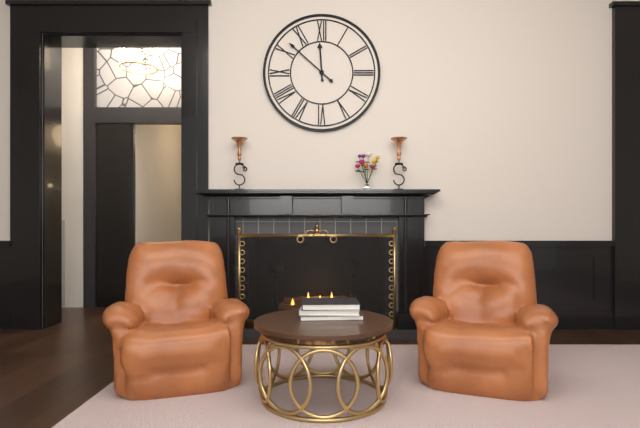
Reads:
{"hour": 11, "minute": 52}
